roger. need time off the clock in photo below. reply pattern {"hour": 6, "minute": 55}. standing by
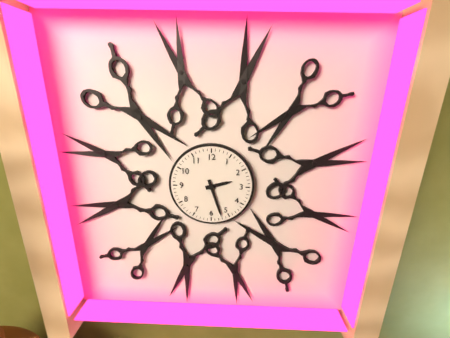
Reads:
{"hour": 2, "minute": 27}
